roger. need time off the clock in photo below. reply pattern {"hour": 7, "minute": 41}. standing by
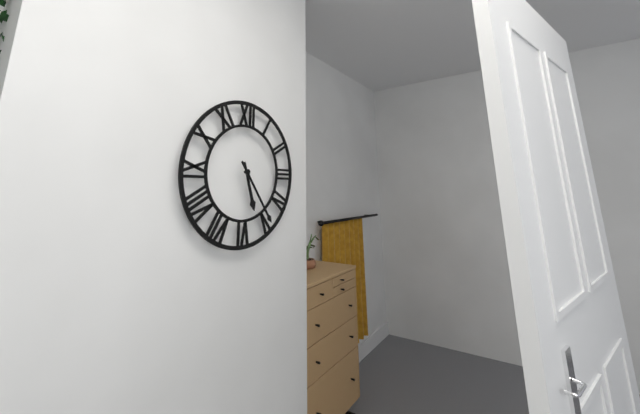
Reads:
{"hour": 5, "minute": 24}
